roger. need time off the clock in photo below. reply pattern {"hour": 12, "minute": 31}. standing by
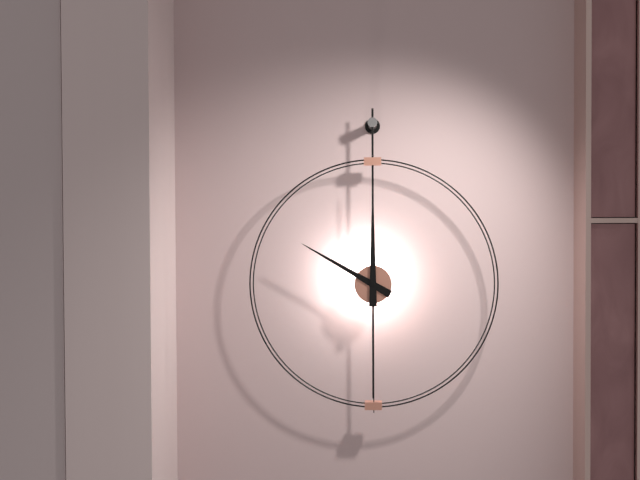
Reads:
{"hour": 10, "minute": 0}
